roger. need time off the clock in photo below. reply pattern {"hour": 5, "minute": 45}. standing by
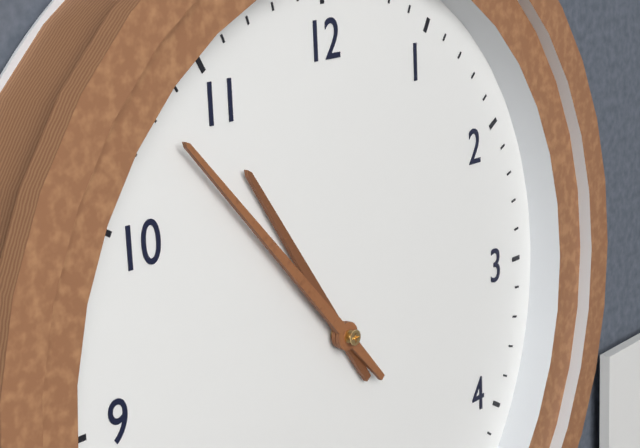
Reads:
{"hour": 10, "minute": 53}
